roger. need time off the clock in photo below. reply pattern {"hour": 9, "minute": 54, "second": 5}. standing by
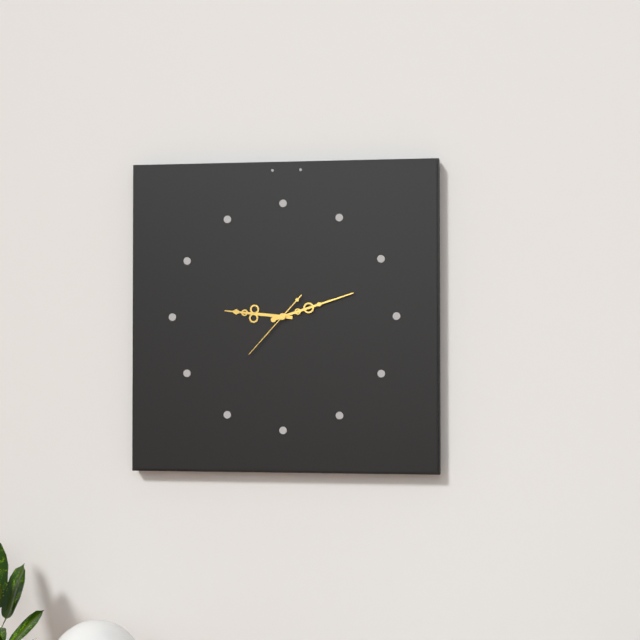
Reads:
{"hour": 9, "minute": 12, "second": 37}
